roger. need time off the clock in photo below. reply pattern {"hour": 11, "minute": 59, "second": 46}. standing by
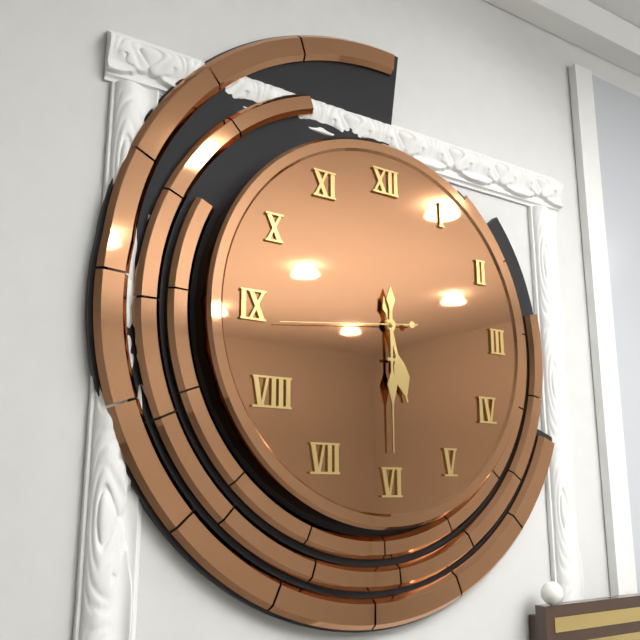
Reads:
{"hour": 5, "minute": 30, "second": 44}
